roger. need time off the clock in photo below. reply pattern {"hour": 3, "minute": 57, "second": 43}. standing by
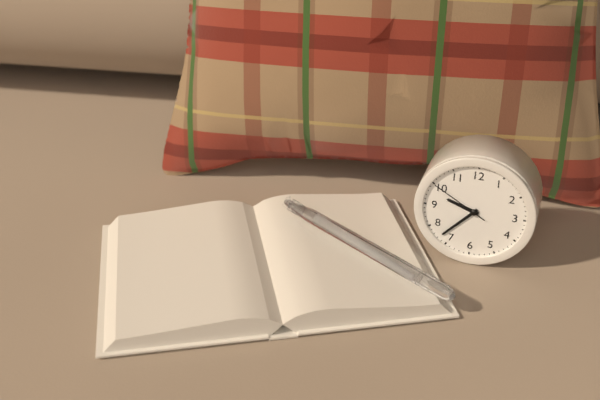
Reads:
{"hour": 9, "minute": 37, "second": 50}
